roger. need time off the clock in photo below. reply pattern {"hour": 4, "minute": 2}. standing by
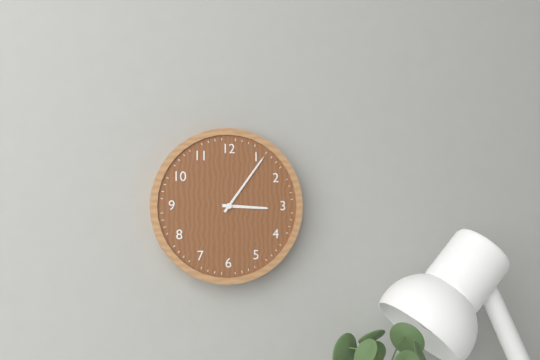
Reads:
{"hour": 3, "minute": 6}
